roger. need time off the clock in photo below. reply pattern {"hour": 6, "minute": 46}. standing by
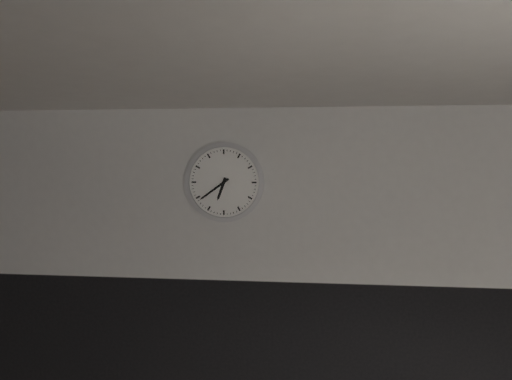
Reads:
{"hour": 6, "minute": 39}
